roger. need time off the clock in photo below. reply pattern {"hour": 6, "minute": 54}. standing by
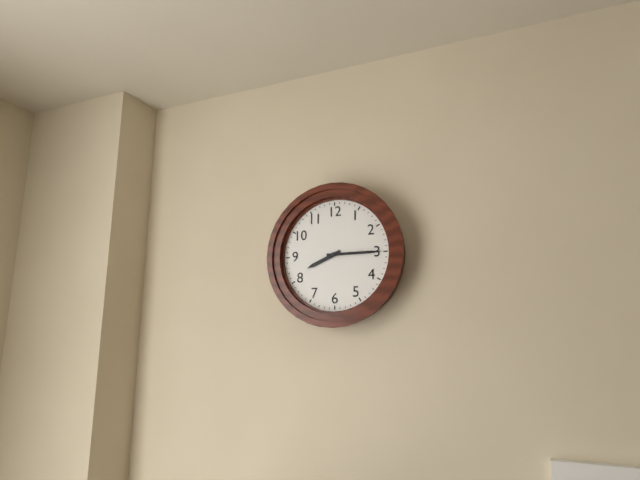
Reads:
{"hour": 8, "minute": 15}
